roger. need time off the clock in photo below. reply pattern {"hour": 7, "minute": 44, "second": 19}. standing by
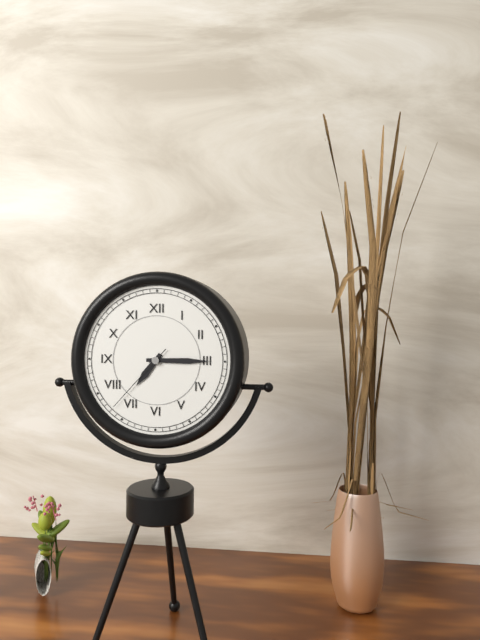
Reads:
{"hour": 7, "minute": 15, "second": 37}
